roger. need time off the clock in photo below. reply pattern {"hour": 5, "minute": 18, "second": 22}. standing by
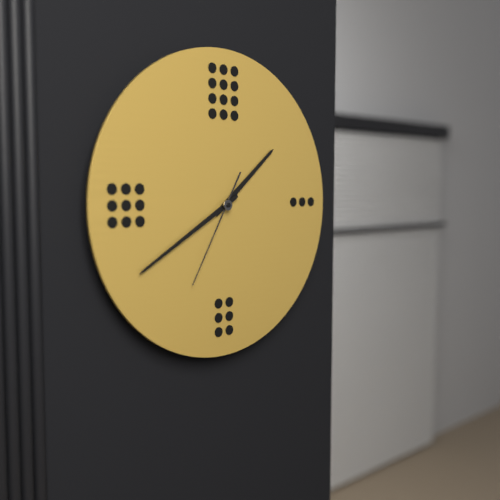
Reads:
{"hour": 1, "minute": 40, "second": 35}
